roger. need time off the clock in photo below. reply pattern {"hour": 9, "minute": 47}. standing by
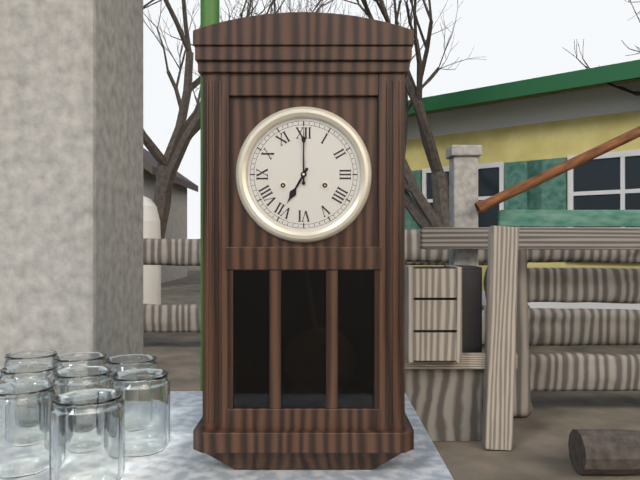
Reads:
{"hour": 7, "minute": 0}
